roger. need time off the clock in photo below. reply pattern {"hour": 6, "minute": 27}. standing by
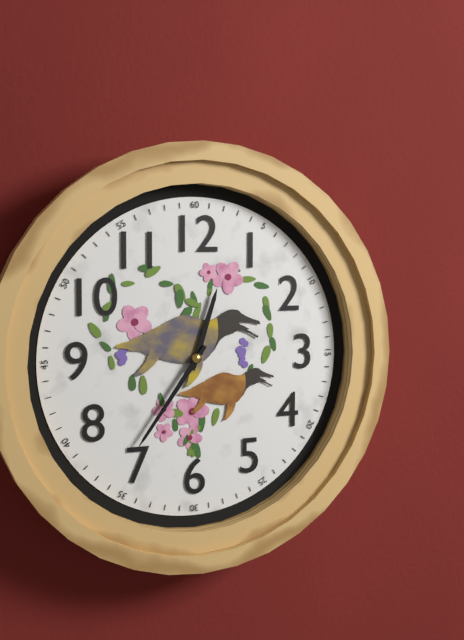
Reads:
{"hour": 12, "minute": 36}
